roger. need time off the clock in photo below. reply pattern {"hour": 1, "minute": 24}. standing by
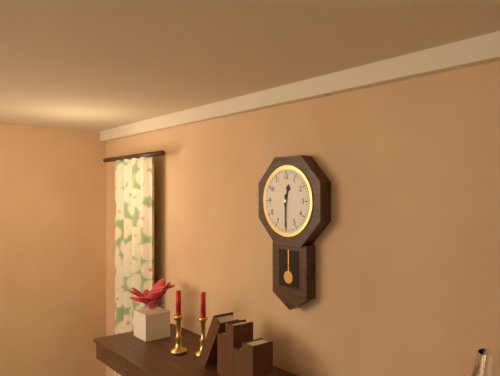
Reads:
{"hour": 12, "minute": 30}
